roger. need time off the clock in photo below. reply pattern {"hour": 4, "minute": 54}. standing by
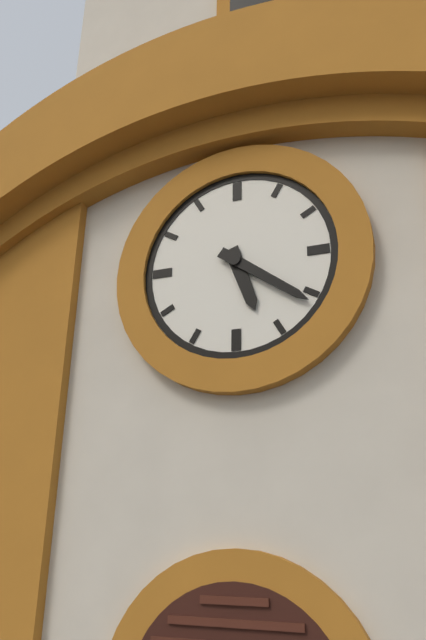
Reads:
{"hour": 5, "minute": 21}
